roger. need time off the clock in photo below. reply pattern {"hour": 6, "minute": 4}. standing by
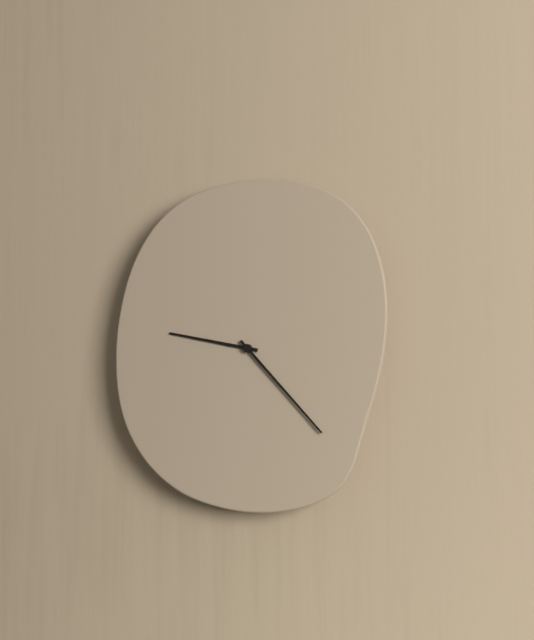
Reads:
{"hour": 9, "minute": 23}
